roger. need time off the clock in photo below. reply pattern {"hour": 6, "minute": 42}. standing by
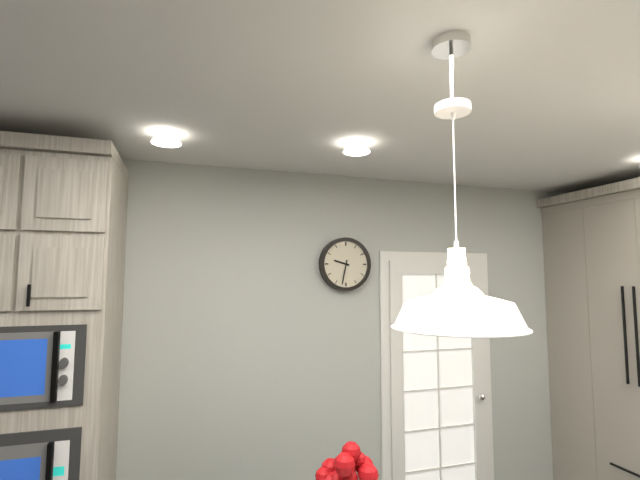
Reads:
{"hour": 9, "minute": 32}
